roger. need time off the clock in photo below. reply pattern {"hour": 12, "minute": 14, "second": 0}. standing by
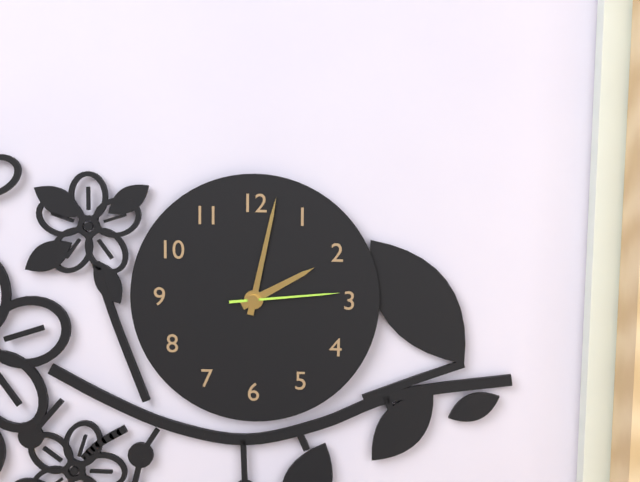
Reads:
{"hour": 2, "minute": 2, "second": 14}
